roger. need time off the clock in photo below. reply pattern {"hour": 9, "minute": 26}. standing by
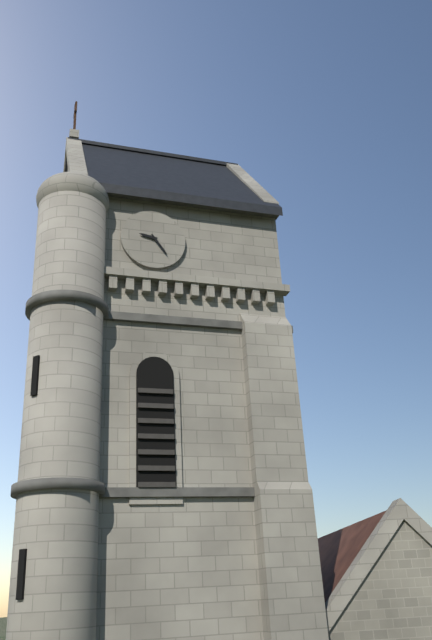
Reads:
{"hour": 9, "minute": 24}
